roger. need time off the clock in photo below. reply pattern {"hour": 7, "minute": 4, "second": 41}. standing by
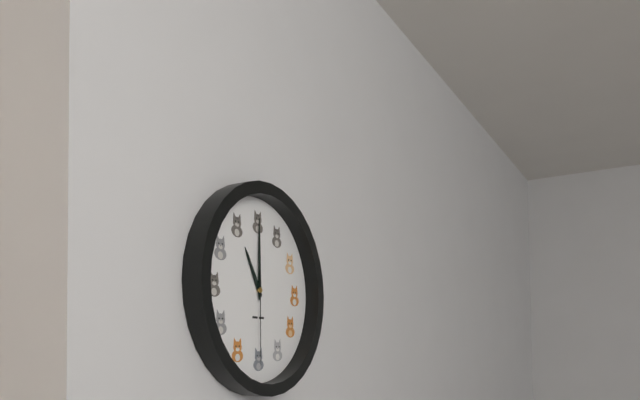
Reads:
{"hour": 11, "minute": 0, "second": 30}
